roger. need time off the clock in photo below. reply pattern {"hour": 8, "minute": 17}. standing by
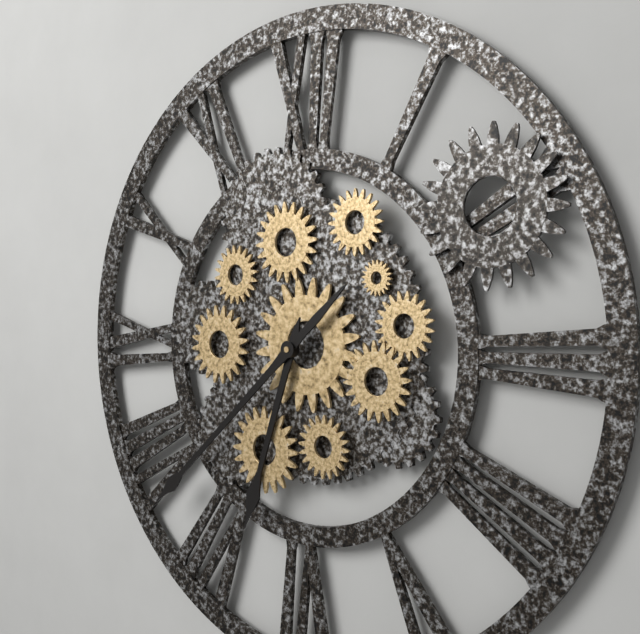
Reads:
{"hour": 6, "minute": 38}
